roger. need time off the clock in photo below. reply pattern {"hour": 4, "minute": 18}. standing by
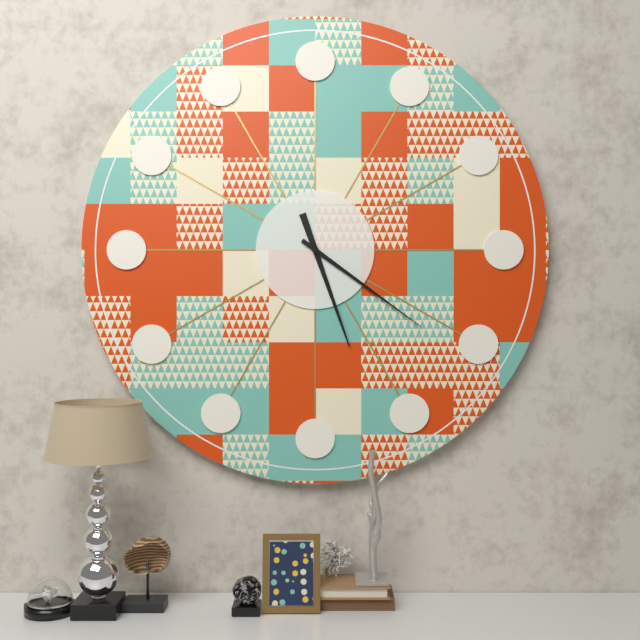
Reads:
{"hour": 5, "minute": 21}
